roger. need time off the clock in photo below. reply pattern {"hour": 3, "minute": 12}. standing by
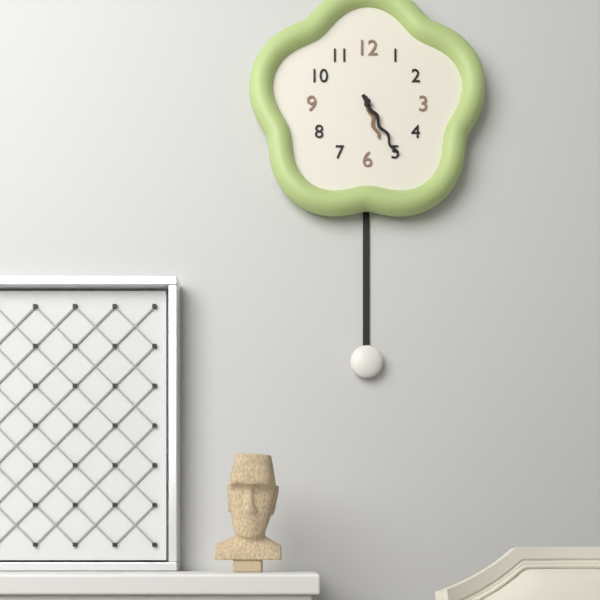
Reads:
{"hour": 5, "minute": 25}
